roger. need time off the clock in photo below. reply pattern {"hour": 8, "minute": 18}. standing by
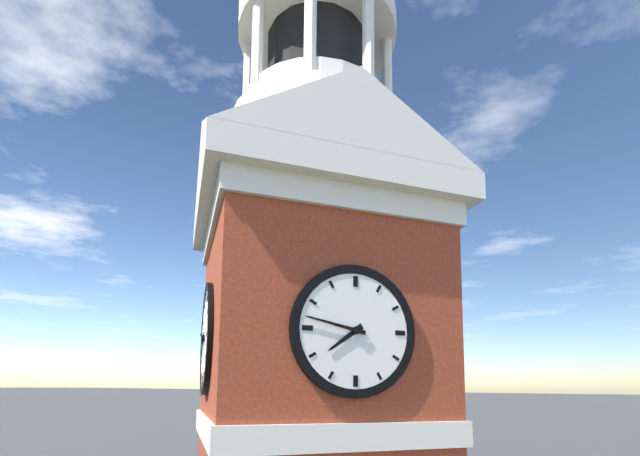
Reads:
{"hour": 7, "minute": 47}
